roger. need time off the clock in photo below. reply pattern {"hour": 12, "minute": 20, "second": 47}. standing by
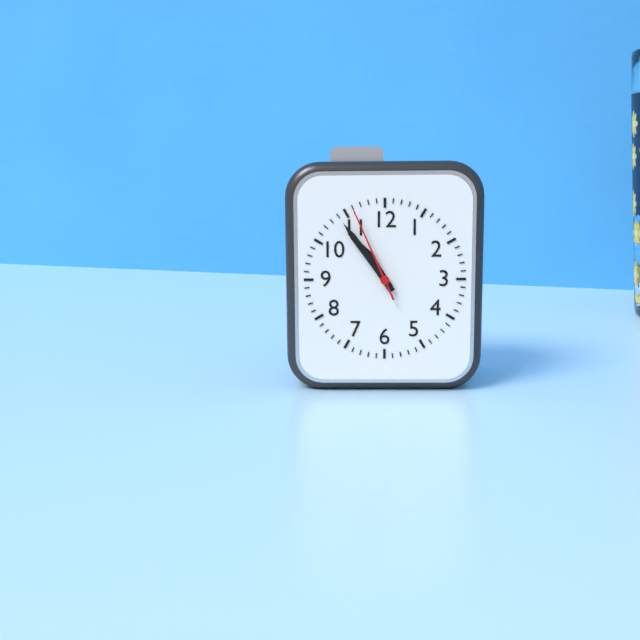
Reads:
{"hour": 10, "minute": 54, "second": 56}
